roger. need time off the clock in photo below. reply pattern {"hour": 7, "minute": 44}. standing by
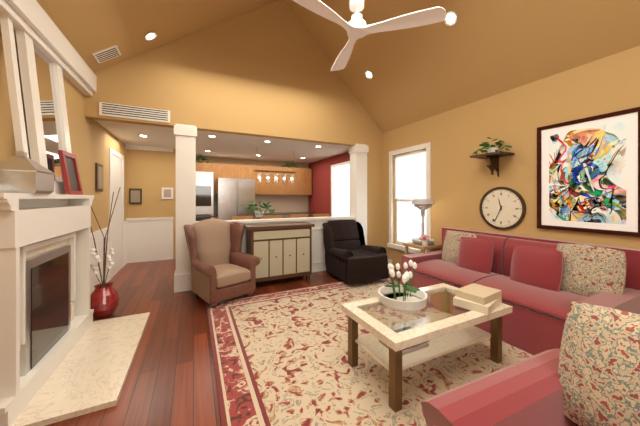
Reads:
{"hour": 11, "minute": 34}
